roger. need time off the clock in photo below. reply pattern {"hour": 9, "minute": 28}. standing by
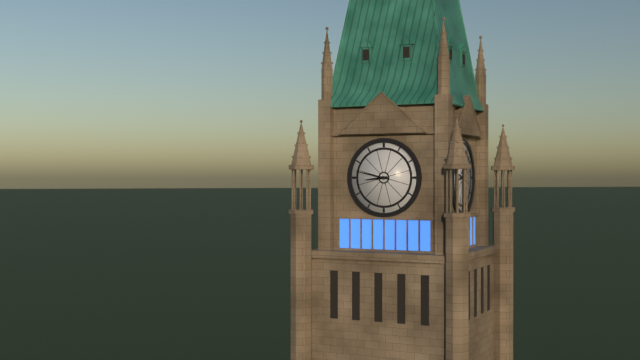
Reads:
{"hour": 8, "minute": 47}
